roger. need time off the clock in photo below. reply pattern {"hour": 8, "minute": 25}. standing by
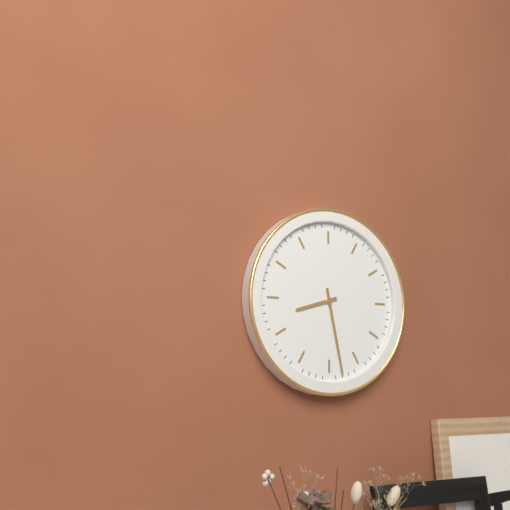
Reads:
{"hour": 8, "minute": 28}
